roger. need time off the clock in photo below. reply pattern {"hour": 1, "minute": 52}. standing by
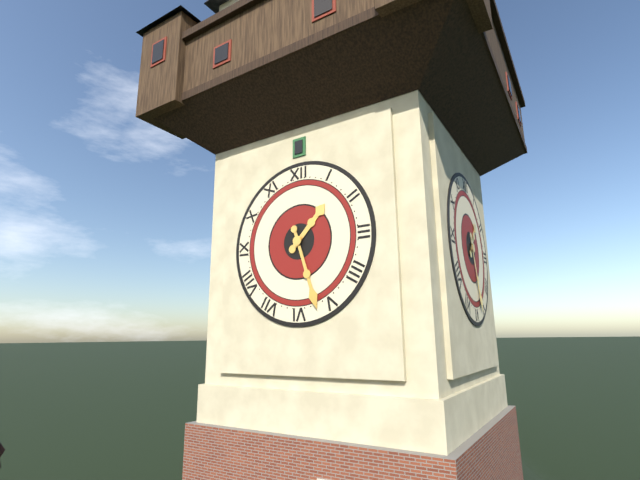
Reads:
{"hour": 1, "minute": 27}
